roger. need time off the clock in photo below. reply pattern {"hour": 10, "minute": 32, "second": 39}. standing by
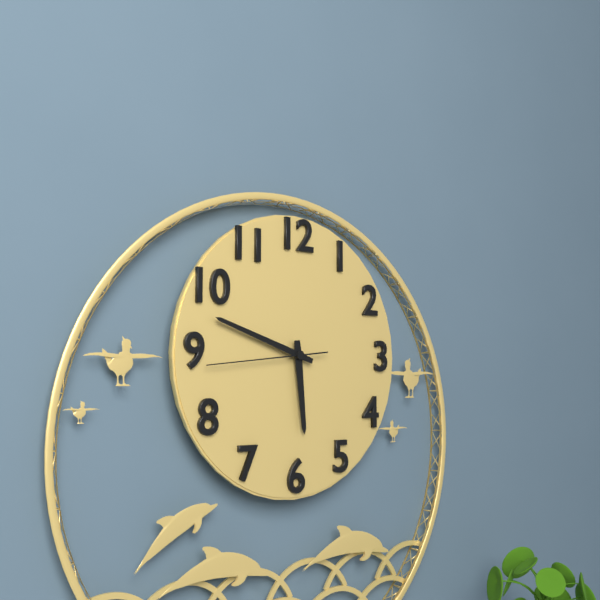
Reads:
{"hour": 5, "minute": 48, "second": 44}
